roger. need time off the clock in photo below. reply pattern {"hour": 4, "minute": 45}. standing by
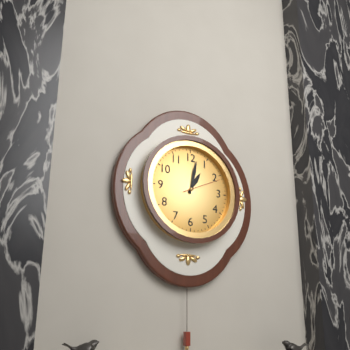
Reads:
{"hour": 1, "minute": 2}
